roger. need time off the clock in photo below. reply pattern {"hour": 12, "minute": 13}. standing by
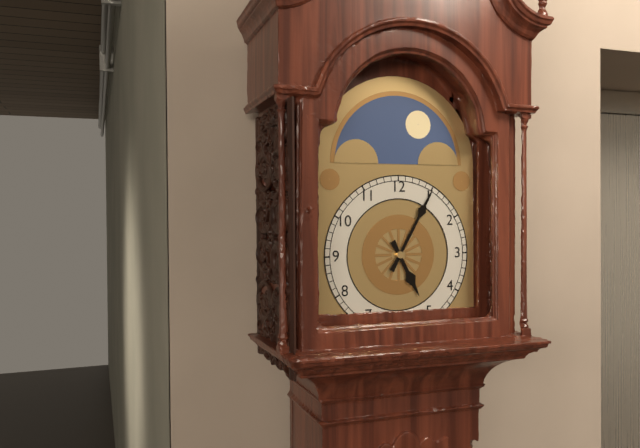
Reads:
{"hour": 5, "minute": 5}
